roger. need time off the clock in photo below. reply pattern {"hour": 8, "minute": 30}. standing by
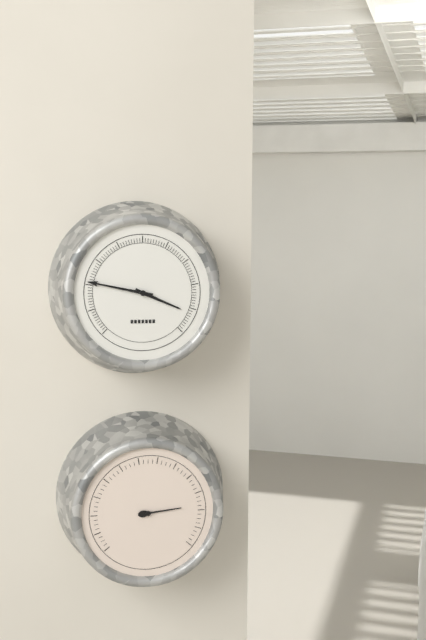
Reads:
{"hour": 3, "minute": 47}
